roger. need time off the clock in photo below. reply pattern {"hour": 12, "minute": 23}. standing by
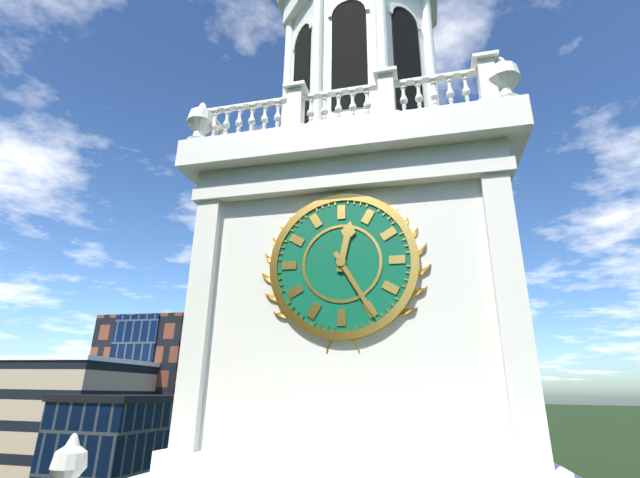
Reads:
{"hour": 12, "minute": 25}
